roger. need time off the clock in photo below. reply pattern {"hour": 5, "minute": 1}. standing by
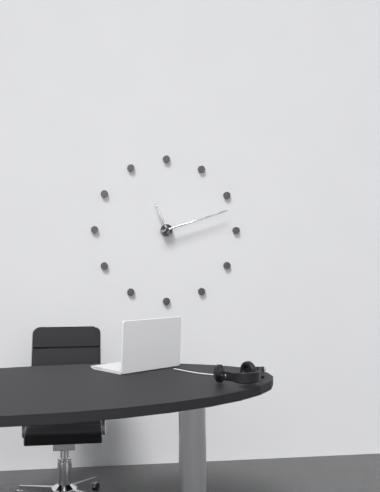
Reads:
{"hour": 11, "minute": 12}
